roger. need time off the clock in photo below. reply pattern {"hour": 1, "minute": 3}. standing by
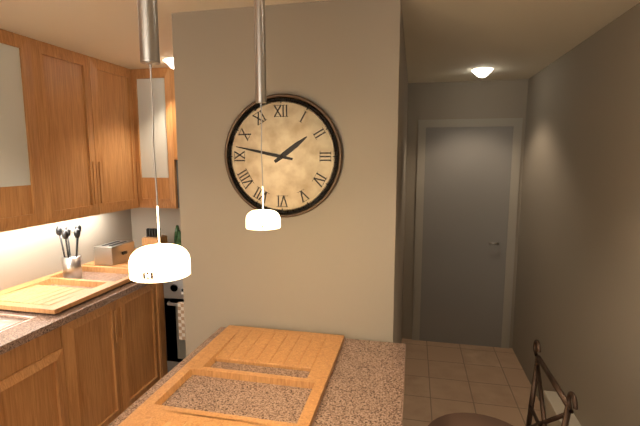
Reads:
{"hour": 1, "minute": 47}
